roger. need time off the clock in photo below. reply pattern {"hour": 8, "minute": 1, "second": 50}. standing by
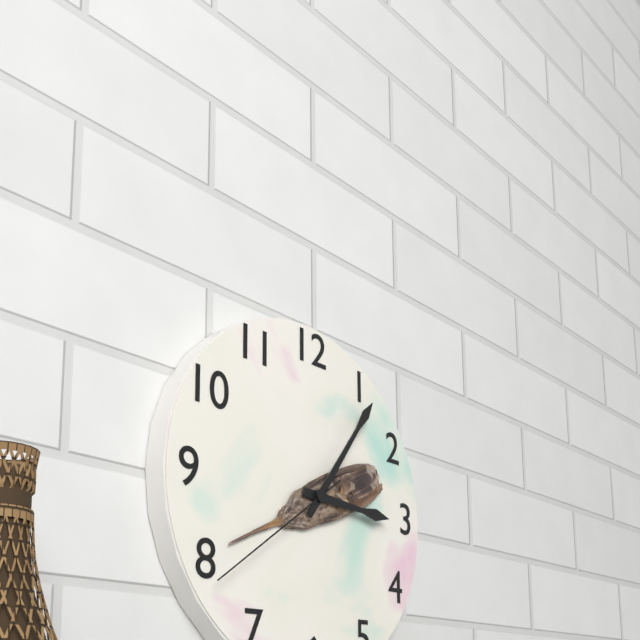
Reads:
{"hour": 3, "minute": 6, "second": 39}
